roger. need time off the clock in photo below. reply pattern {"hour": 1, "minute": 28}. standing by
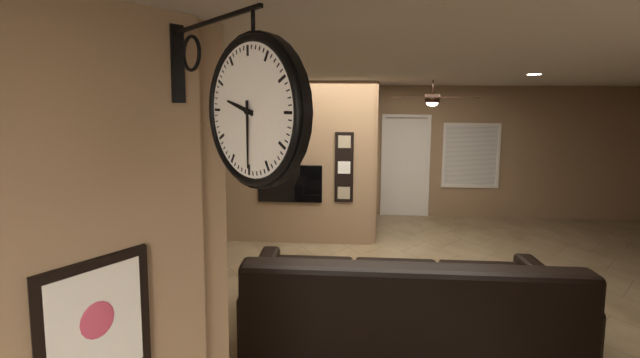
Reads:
{"hour": 9, "minute": 30}
